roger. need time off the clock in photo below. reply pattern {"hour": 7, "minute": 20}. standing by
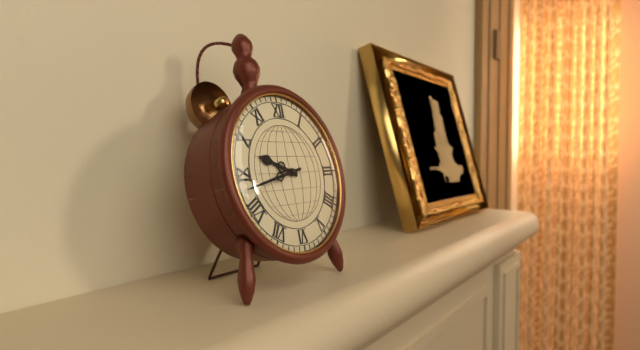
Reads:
{"hour": 9, "minute": 43}
